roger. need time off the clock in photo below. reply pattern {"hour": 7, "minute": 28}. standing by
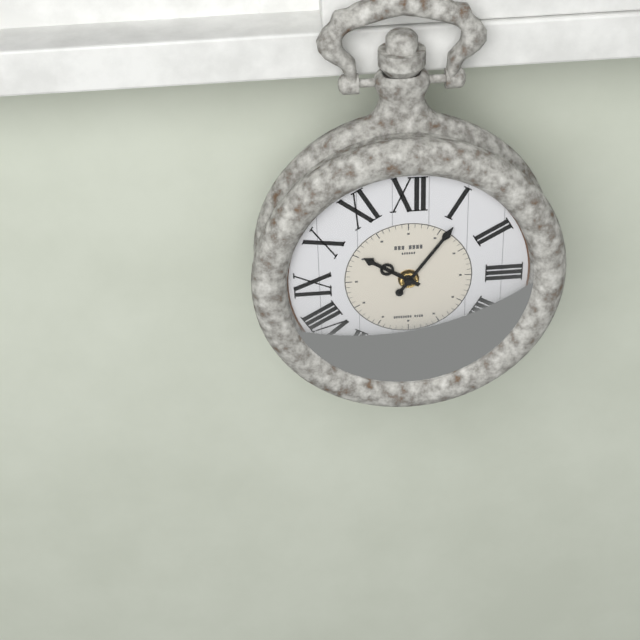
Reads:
{"hour": 10, "minute": 6}
